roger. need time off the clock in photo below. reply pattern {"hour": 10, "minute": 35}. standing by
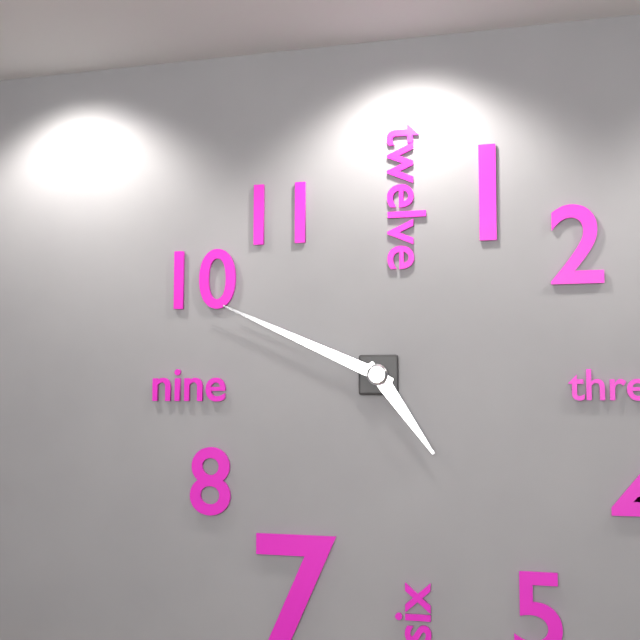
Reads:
{"hour": 4, "minute": 49}
